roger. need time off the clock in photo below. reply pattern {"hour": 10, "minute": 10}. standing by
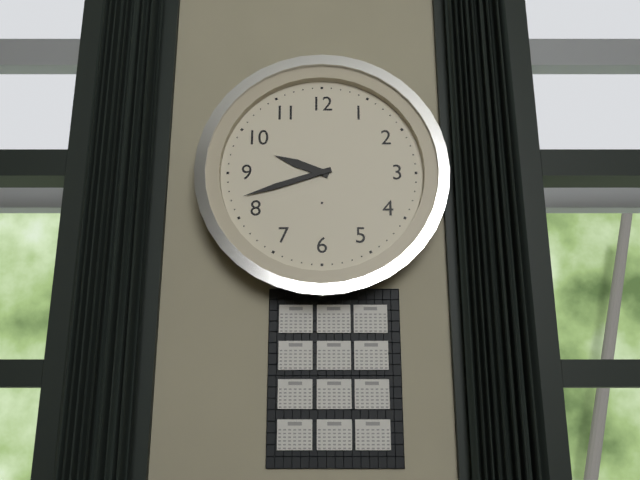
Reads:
{"hour": 9, "minute": 42}
